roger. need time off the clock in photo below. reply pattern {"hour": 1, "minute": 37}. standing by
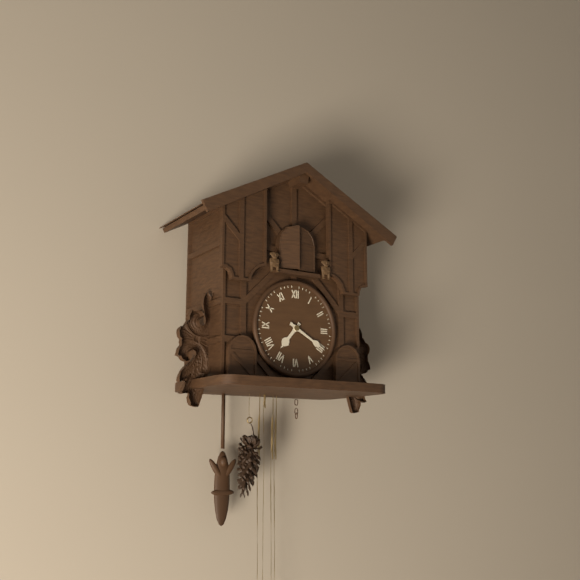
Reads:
{"hour": 7, "minute": 20}
